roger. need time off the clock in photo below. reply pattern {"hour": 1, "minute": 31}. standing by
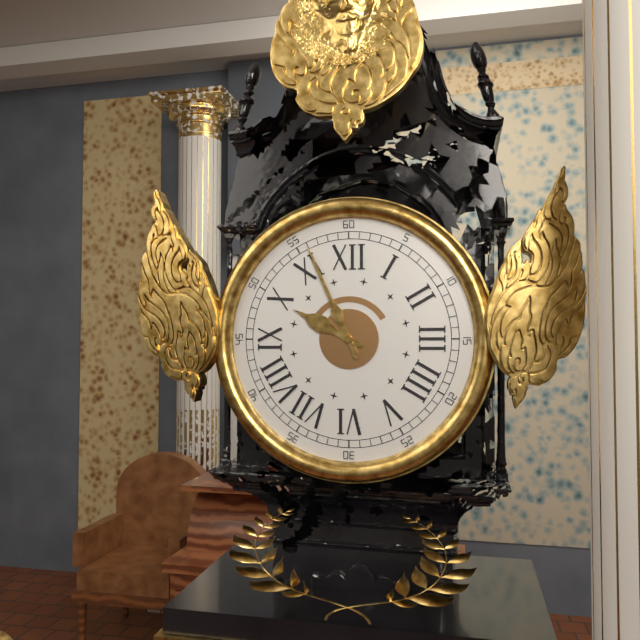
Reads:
{"hour": 9, "minute": 56}
